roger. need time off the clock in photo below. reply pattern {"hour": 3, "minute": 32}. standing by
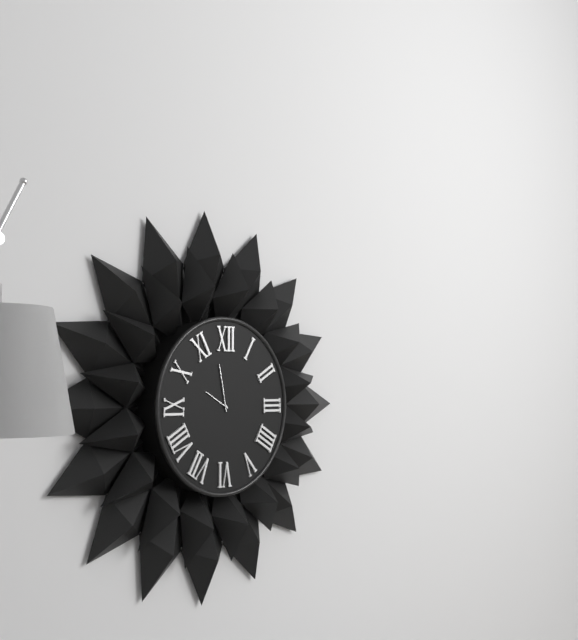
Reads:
{"hour": 9, "minute": 58}
